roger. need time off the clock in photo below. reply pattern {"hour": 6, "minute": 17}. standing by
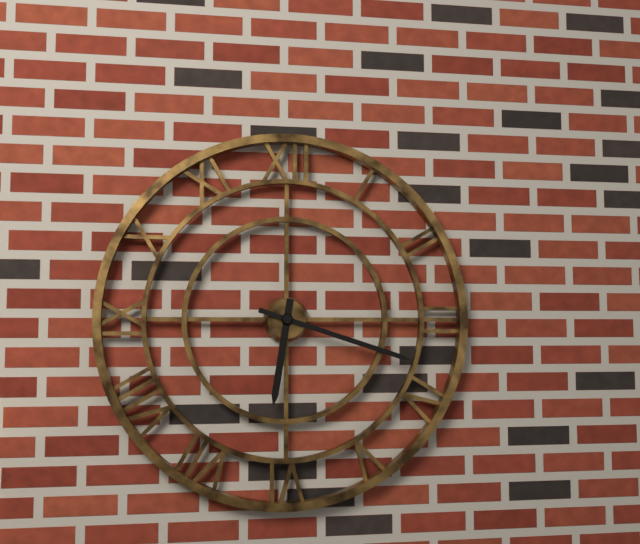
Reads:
{"hour": 6, "minute": 18}
